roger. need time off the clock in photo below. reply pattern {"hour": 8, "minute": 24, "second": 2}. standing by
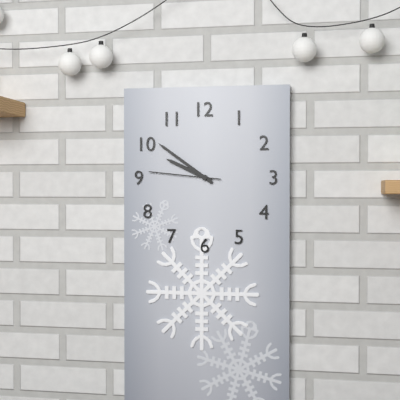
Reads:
{"hour": 9, "minute": 51, "second": 46}
